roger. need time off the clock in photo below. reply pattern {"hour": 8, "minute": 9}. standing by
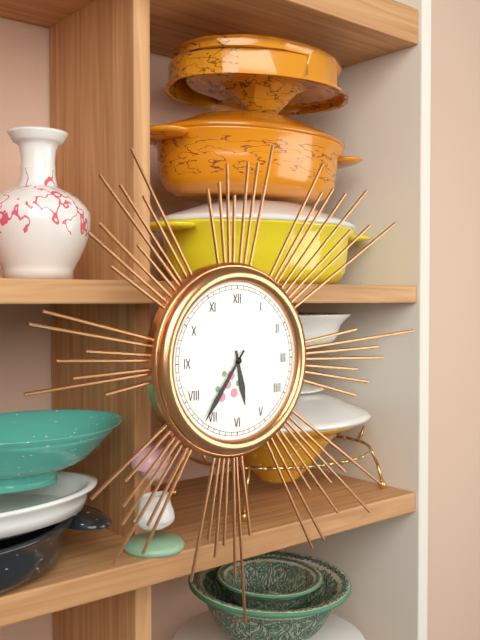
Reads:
{"hour": 5, "minute": 36}
